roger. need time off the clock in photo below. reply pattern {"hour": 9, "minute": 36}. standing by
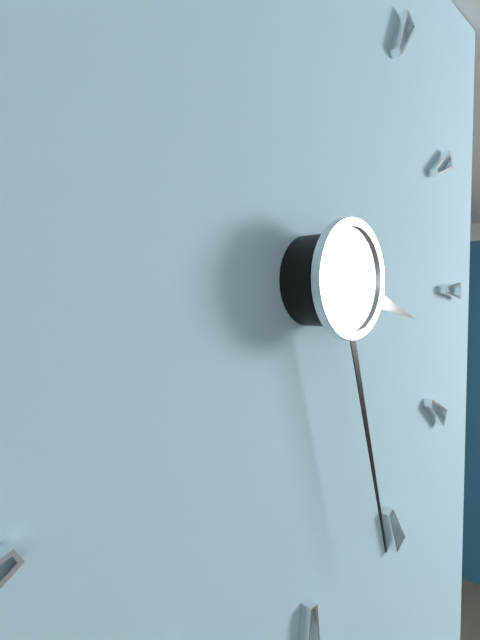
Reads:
{"hour": 3, "minute": 27}
